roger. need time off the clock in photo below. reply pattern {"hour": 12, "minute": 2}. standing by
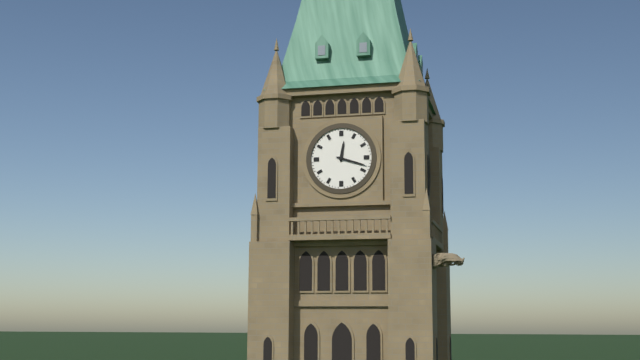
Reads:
{"hour": 12, "minute": 18}
